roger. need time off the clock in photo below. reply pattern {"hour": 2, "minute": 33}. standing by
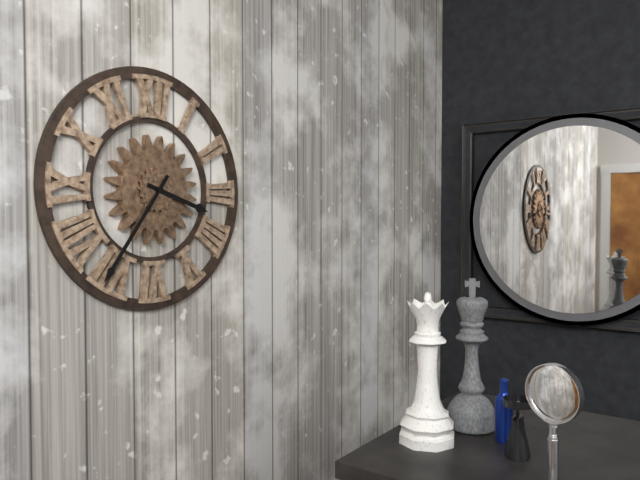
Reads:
{"hour": 3, "minute": 36}
